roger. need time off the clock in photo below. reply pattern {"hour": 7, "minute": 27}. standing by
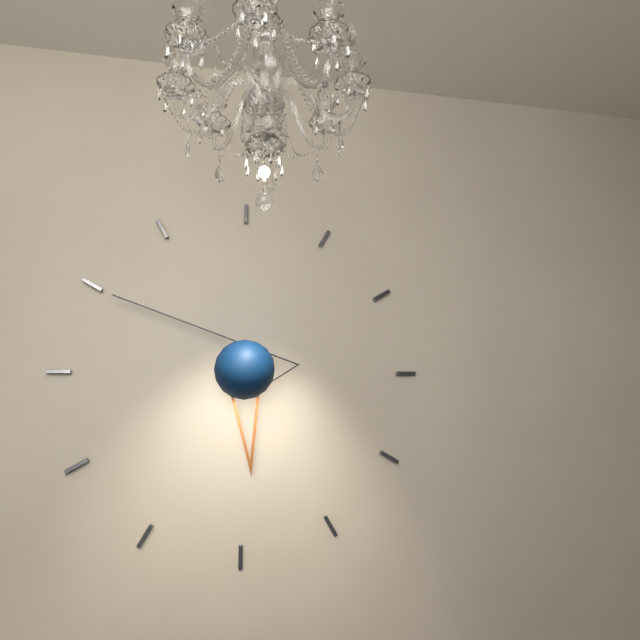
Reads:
{"hour": 5, "minute": 50}
